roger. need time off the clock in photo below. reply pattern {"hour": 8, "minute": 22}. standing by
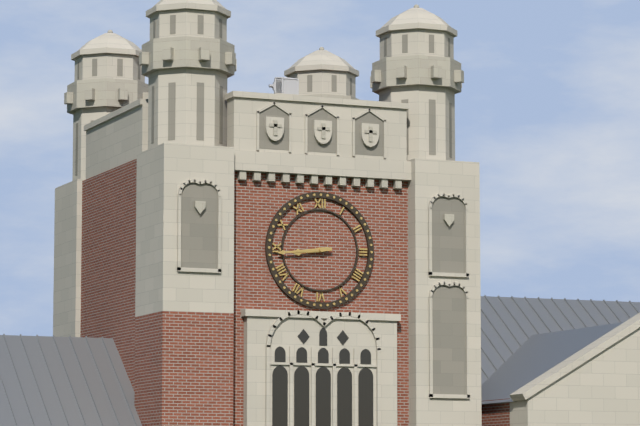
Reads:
{"hour": 8, "minute": 44}
